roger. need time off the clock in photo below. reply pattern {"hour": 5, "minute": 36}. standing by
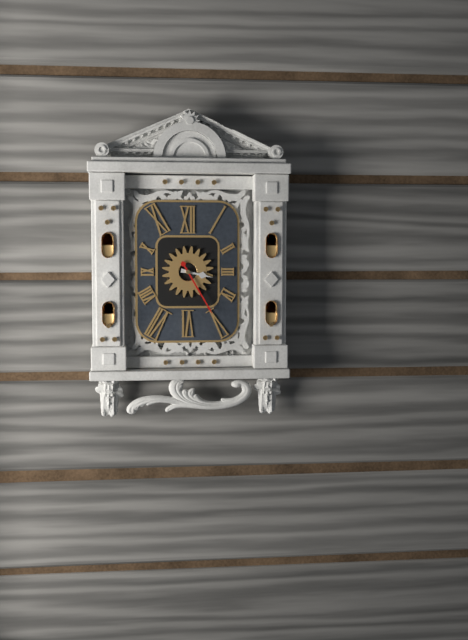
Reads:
{"hour": 3, "minute": 25}
